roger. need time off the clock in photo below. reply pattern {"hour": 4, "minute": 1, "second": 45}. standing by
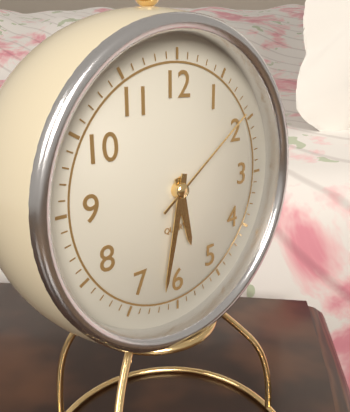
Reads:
{"hour": 5, "minute": 32, "second": 9}
